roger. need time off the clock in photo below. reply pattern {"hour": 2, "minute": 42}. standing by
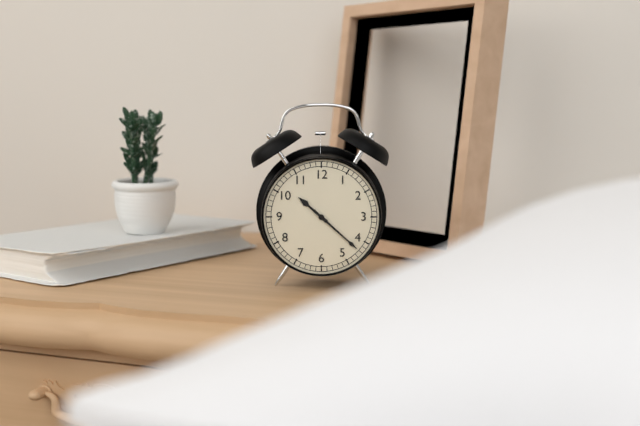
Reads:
{"hour": 10, "minute": 22}
